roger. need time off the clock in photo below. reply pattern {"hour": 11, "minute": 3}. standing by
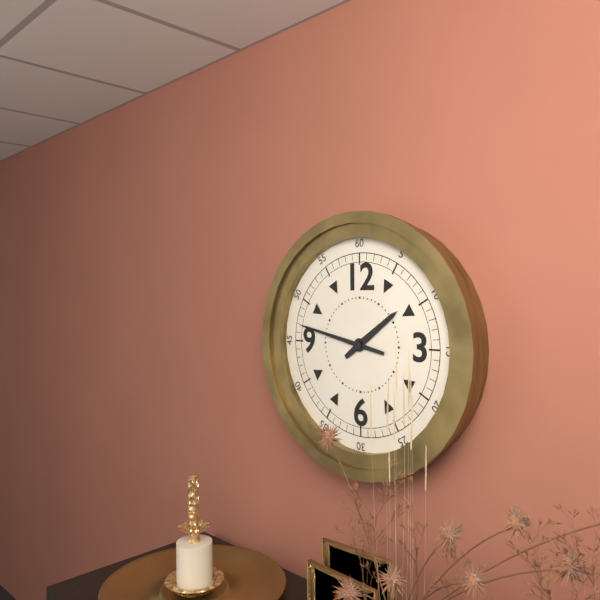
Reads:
{"hour": 1, "minute": 47}
